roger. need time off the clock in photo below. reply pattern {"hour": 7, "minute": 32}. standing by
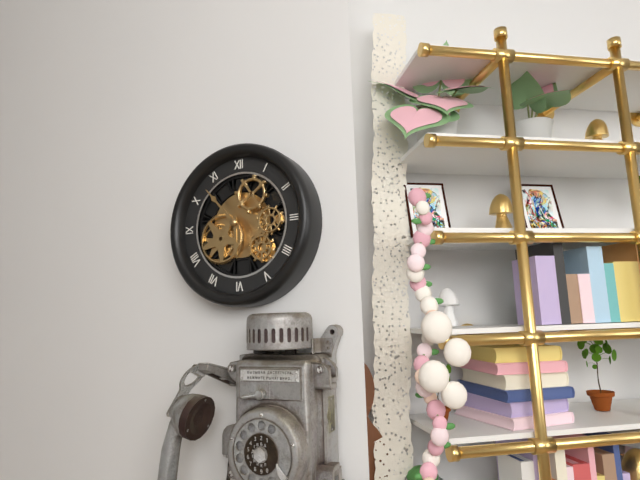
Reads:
{"hour": 5, "minute": 53}
